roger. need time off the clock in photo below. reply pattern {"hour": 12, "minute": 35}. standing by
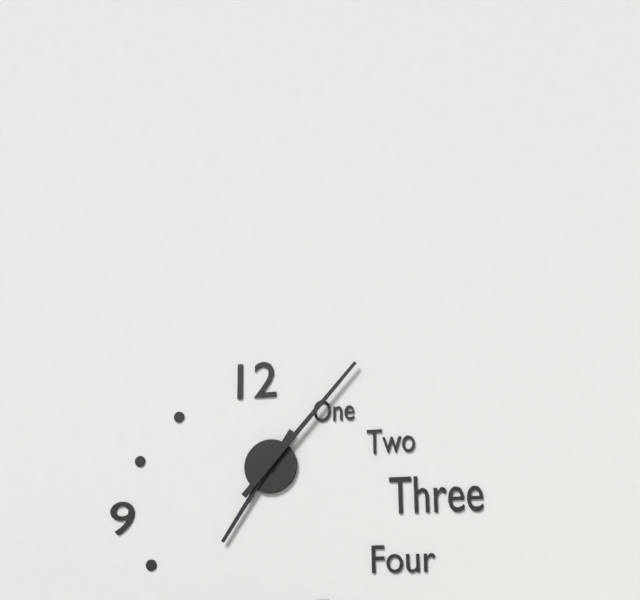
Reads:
{"hour": 7, "minute": 7}
